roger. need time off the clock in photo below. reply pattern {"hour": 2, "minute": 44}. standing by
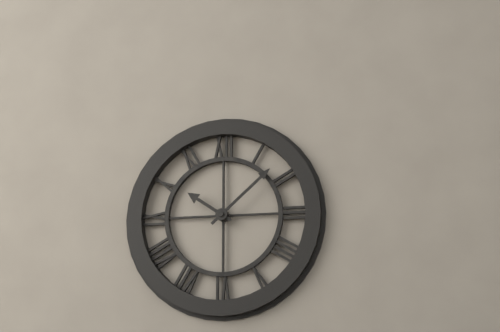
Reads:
{"hour": 10, "minute": 8}
